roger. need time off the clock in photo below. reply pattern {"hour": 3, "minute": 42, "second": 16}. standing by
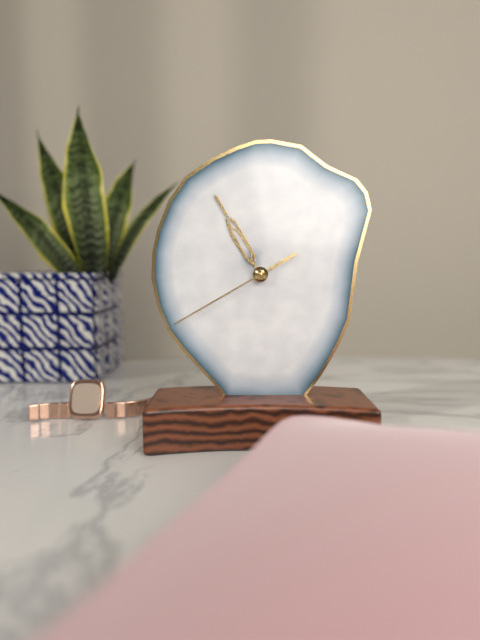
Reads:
{"hour": 10, "minute": 55, "second": 40}
